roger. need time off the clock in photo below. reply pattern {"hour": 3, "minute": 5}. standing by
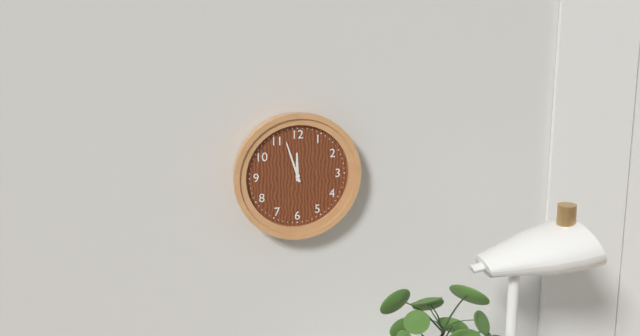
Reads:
{"hour": 11, "minute": 57}
